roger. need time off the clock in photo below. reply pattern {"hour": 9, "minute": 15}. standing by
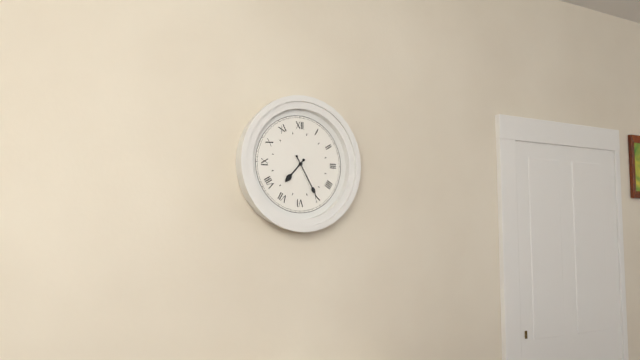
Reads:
{"hour": 7, "minute": 25}
